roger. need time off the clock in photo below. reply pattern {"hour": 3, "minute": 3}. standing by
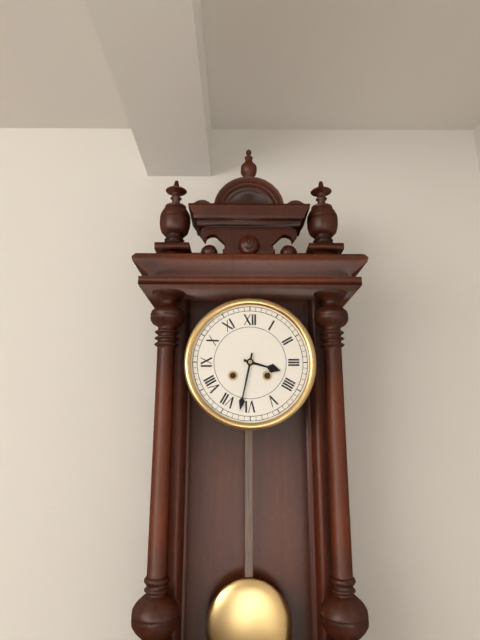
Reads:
{"hour": 3, "minute": 32}
